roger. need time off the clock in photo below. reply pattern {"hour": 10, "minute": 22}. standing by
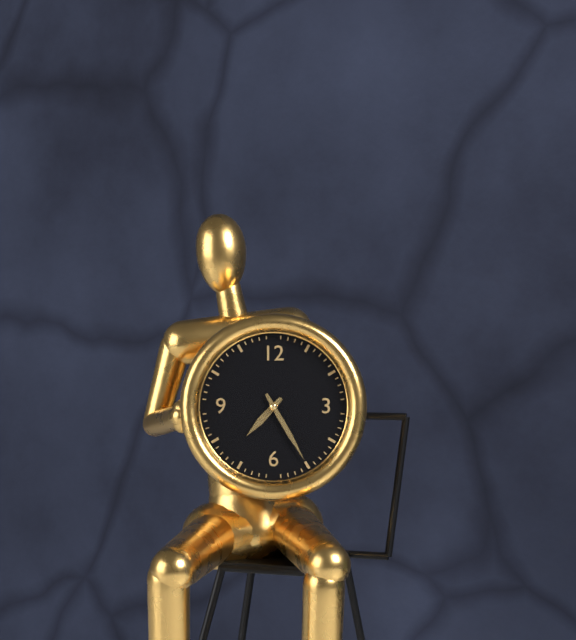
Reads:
{"hour": 7, "minute": 25}
